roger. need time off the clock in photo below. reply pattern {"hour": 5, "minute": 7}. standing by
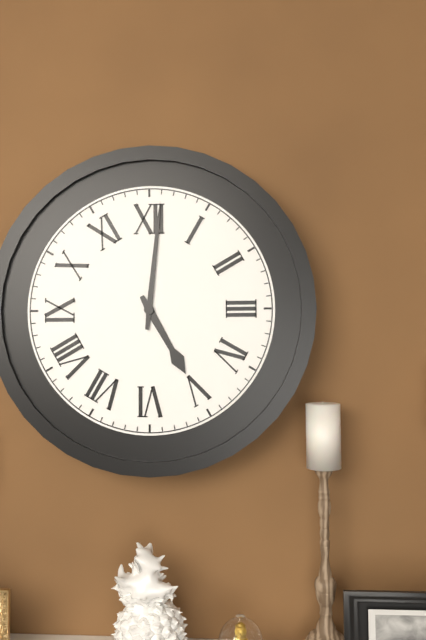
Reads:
{"hour": 5, "minute": 1}
